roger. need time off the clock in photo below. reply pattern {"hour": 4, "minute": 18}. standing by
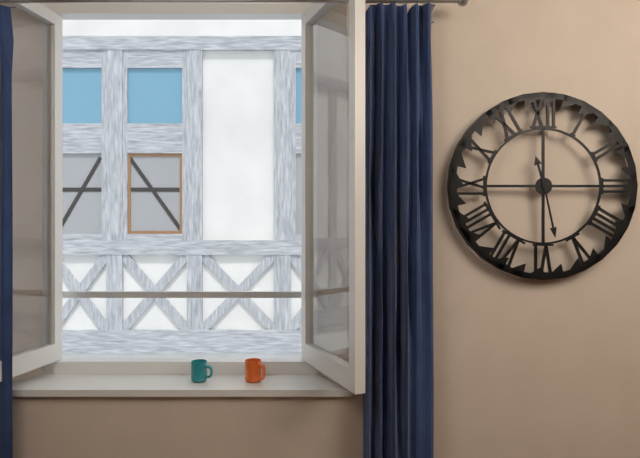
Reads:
{"hour": 11, "minute": 28}
